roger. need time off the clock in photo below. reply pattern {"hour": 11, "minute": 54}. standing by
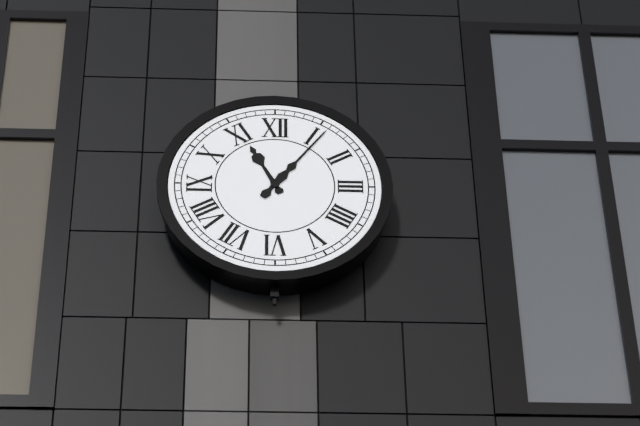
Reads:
{"hour": 11, "minute": 6}
